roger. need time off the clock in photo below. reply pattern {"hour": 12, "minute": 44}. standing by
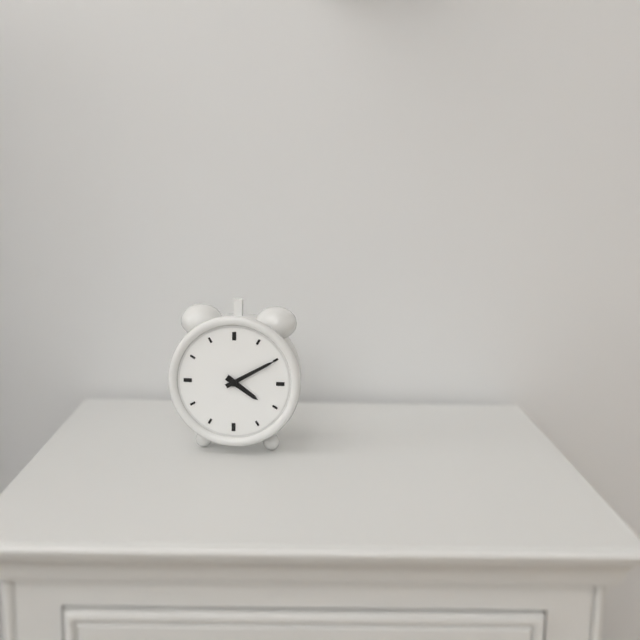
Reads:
{"hour": 4, "minute": 10}
